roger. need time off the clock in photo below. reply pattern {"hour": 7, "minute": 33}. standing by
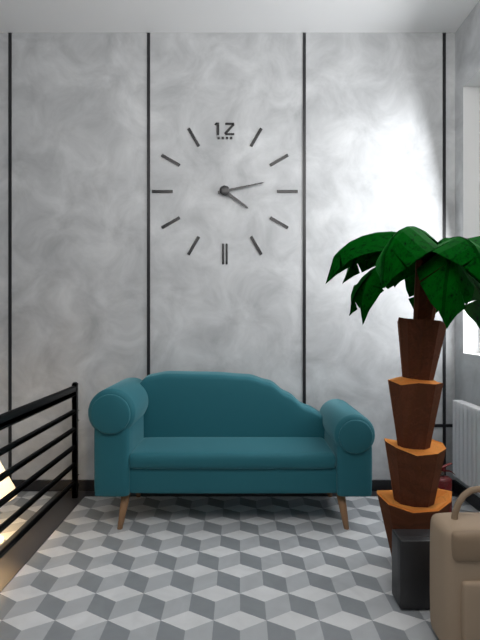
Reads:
{"hour": 4, "minute": 13}
